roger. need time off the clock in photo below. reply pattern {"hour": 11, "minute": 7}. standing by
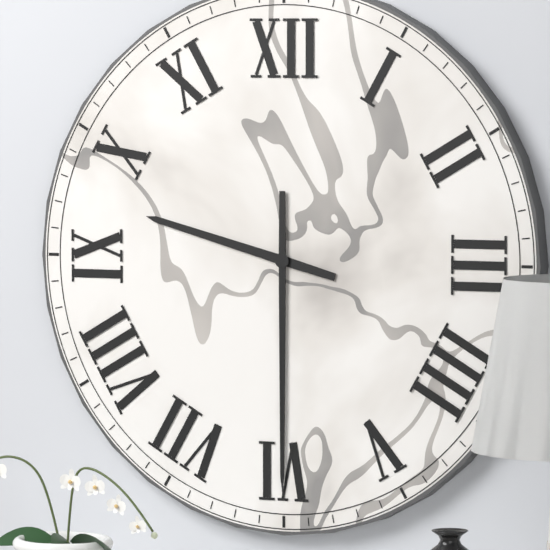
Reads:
{"hour": 9, "minute": 30}
